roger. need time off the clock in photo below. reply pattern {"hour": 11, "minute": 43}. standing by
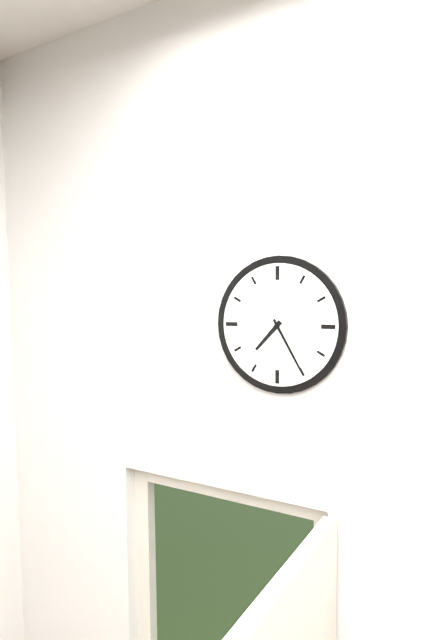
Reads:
{"hour": 7, "minute": 25}
